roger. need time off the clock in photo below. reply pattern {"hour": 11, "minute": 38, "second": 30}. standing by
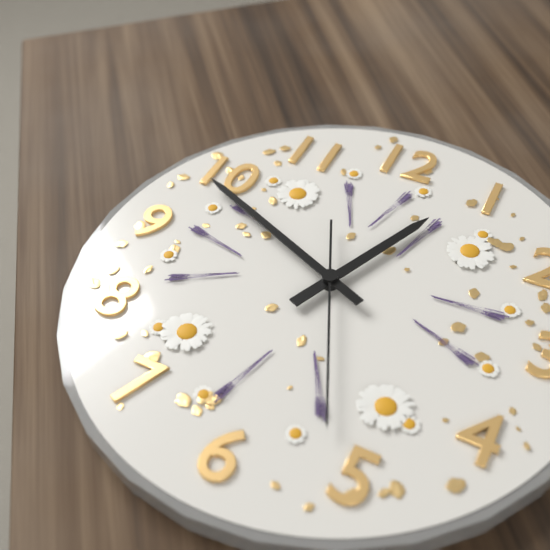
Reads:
{"hour": 12, "minute": 49, "second": 26}
